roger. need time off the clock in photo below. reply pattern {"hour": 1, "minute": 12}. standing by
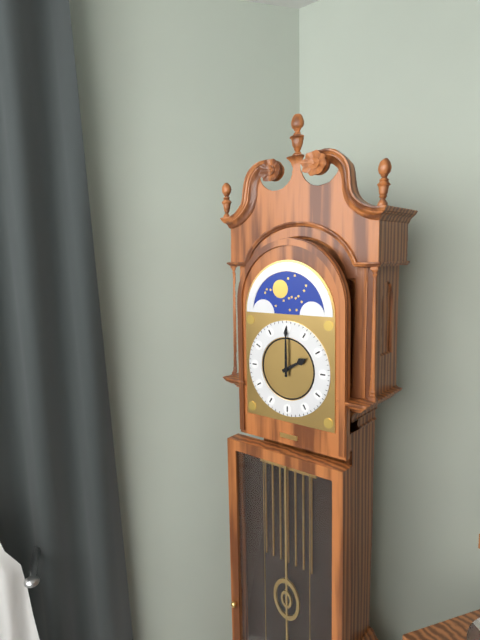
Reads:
{"hour": 2, "minute": 0}
